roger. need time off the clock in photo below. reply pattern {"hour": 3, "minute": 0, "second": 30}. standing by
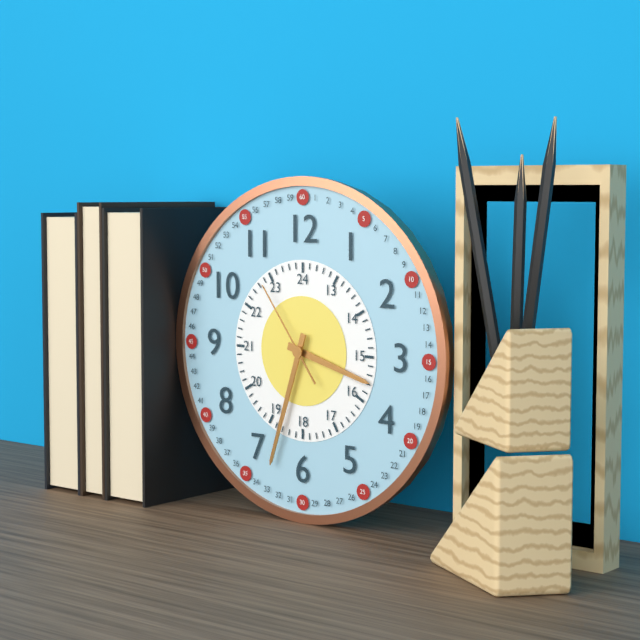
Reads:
{"hour": 3, "minute": 33, "second": 54}
